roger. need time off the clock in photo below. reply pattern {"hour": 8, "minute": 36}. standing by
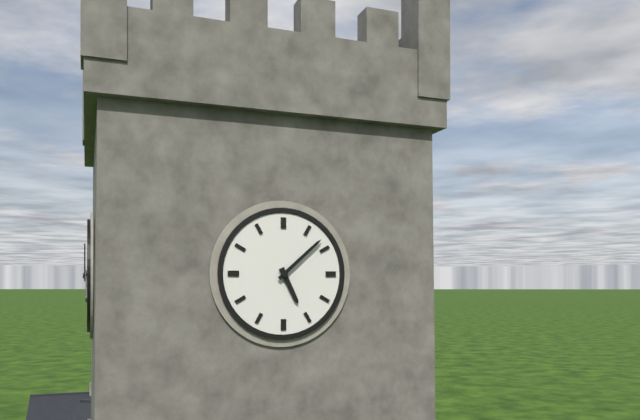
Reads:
{"hour": 5, "minute": 8}
